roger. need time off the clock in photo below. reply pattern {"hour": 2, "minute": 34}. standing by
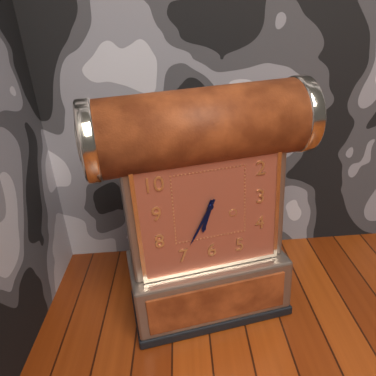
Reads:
{"hour": 6, "minute": 35}
